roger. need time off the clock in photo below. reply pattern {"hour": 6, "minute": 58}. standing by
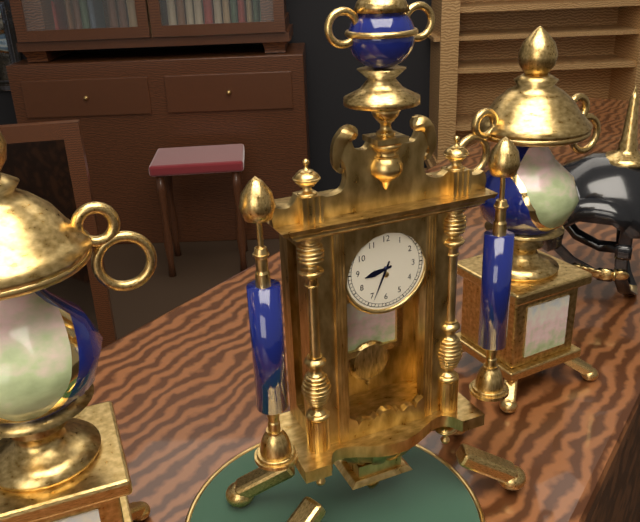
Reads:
{"hour": 8, "minute": 34}
